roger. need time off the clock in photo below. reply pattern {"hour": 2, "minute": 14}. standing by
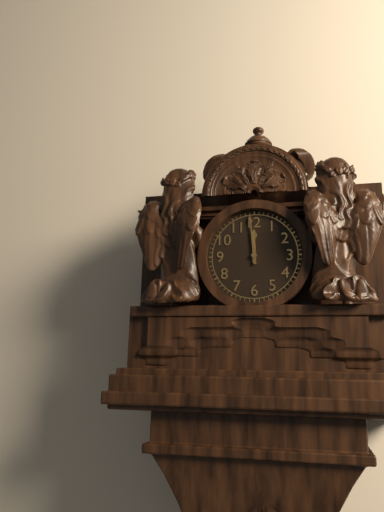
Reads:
{"hour": 11, "minute": 59}
